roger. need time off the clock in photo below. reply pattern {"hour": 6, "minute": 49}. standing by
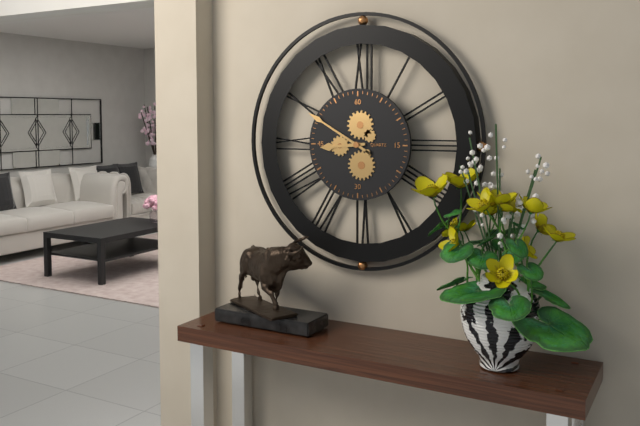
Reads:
{"hour": 8, "minute": 50}
